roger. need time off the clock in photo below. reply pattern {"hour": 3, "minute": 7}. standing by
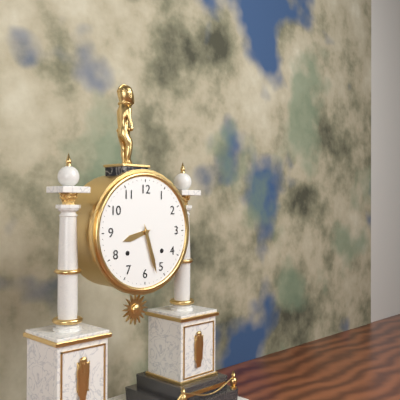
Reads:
{"hour": 8, "minute": 27}
